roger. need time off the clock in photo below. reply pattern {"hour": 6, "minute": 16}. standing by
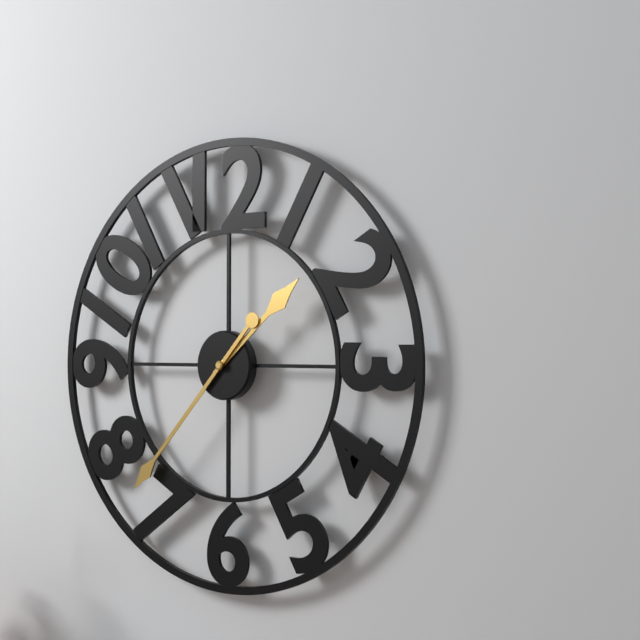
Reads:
{"hour": 1, "minute": 37}
